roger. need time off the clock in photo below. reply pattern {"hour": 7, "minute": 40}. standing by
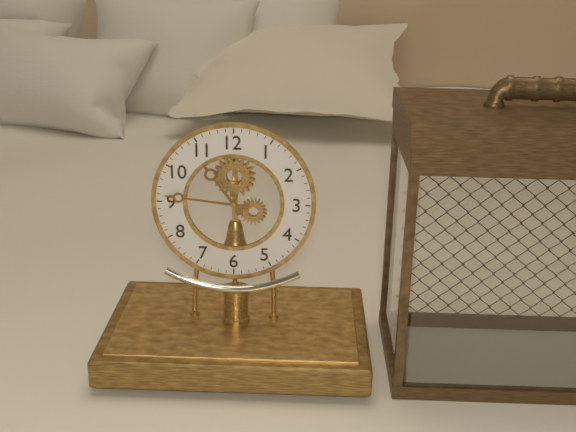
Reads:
{"hour": 10, "minute": 46}
